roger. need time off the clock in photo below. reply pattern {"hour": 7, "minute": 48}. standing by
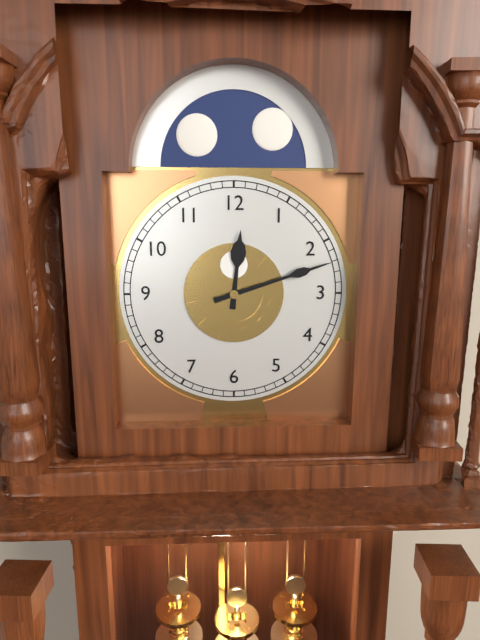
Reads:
{"hour": 12, "minute": 12}
